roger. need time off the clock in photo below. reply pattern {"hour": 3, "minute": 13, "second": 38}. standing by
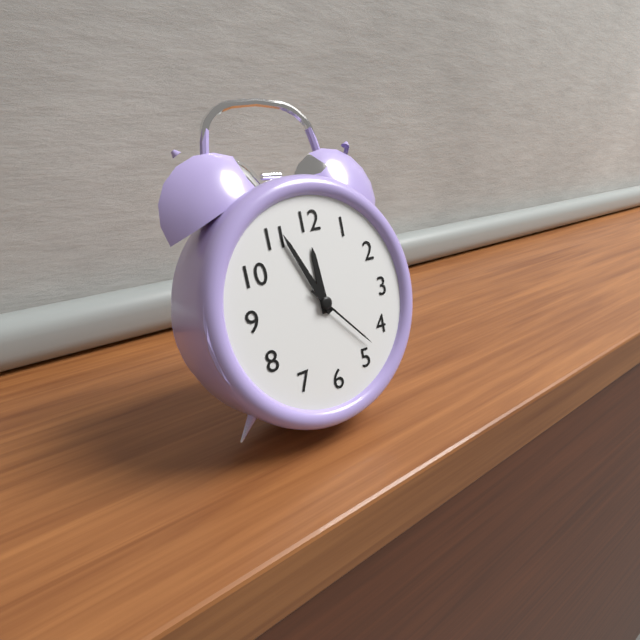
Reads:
{"hour": 11, "minute": 56, "second": 23}
